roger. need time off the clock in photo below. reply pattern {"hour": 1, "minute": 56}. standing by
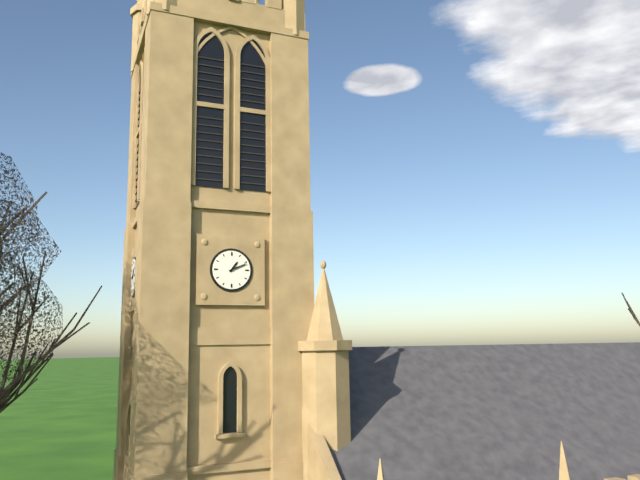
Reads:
{"hour": 1, "minute": 11}
